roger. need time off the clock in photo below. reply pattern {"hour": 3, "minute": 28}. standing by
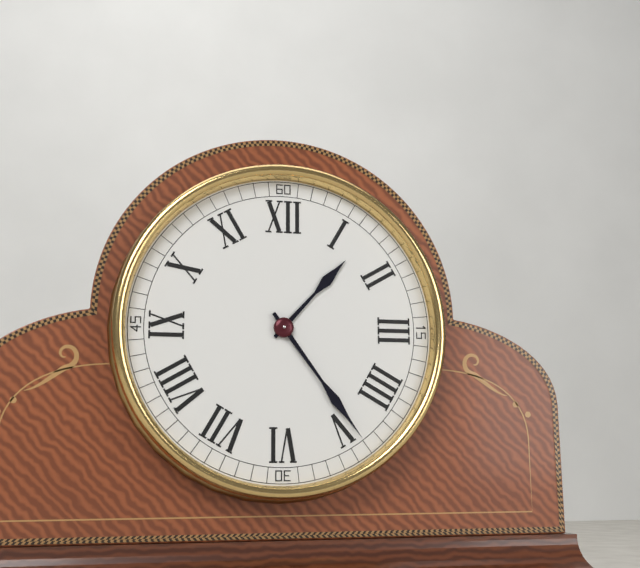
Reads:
{"hour": 1, "minute": 24}
